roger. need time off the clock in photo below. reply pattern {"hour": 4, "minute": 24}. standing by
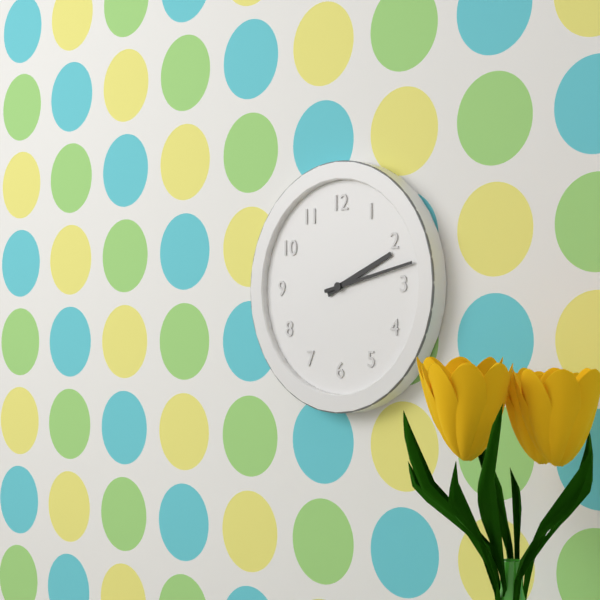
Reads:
{"hour": 2, "minute": 13}
